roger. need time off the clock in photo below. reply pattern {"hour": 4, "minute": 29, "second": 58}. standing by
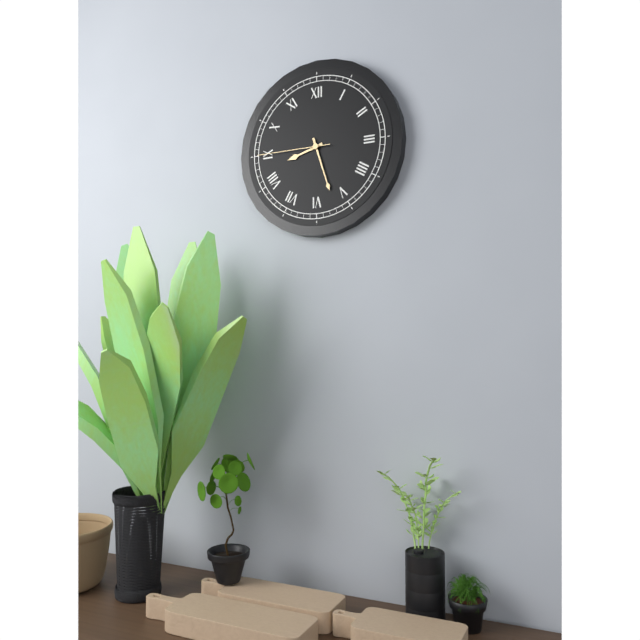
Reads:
{"hour": 8, "minute": 27, "second": 45}
